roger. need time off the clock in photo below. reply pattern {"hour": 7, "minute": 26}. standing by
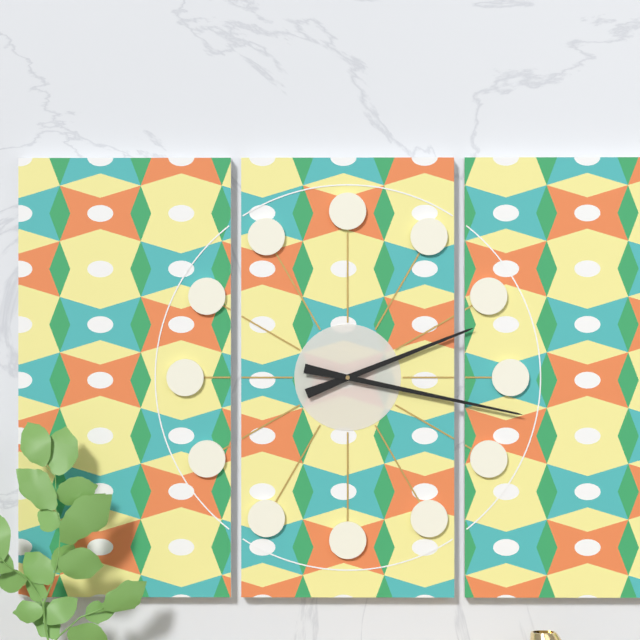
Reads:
{"hour": 2, "minute": 17}
